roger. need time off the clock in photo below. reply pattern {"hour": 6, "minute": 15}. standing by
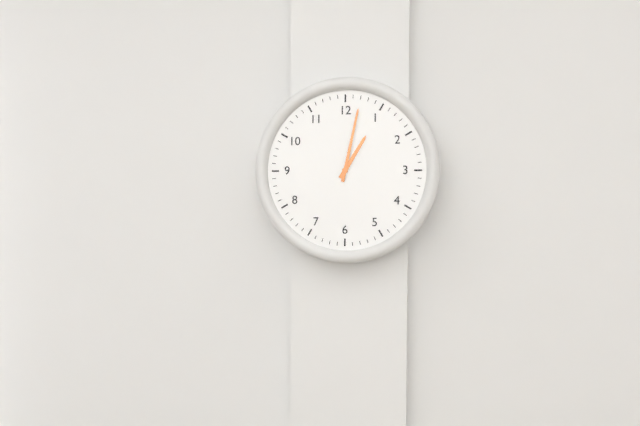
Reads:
{"hour": 1, "minute": 2}
